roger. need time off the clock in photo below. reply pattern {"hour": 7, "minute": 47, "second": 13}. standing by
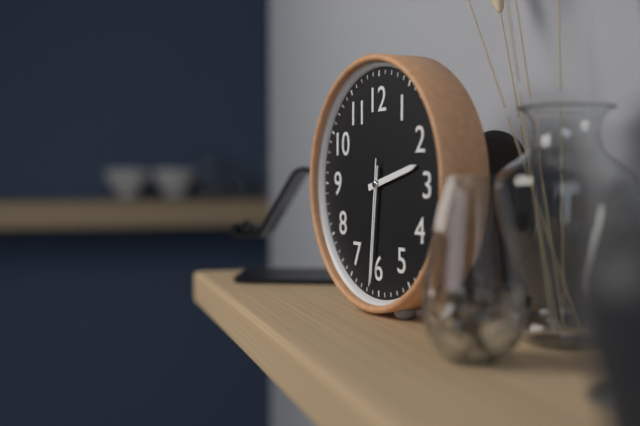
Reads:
{"hour": 2, "minute": 31, "second": 31}
